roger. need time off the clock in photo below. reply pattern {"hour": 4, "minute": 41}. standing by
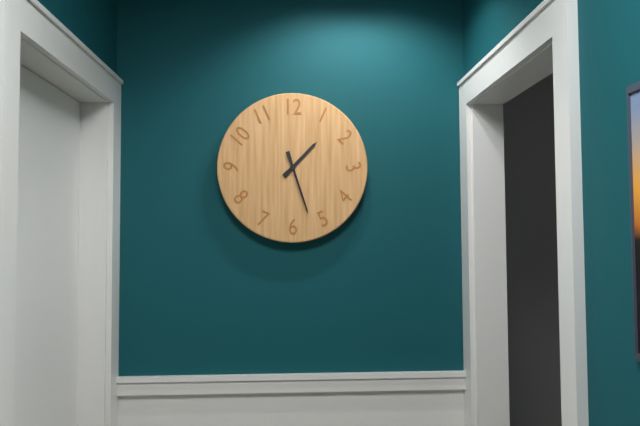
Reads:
{"hour": 1, "minute": 27}
